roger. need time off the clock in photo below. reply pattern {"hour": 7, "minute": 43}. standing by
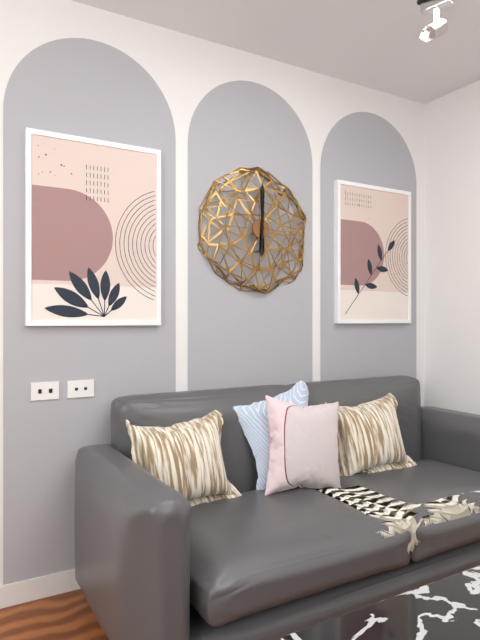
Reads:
{"hour": 6, "minute": 0}
